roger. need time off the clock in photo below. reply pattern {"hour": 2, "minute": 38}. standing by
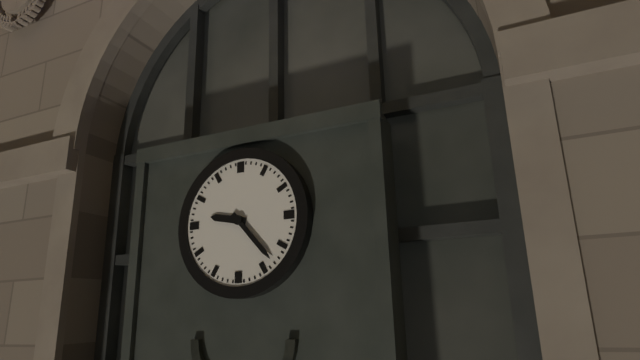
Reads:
{"hour": 9, "minute": 23}
